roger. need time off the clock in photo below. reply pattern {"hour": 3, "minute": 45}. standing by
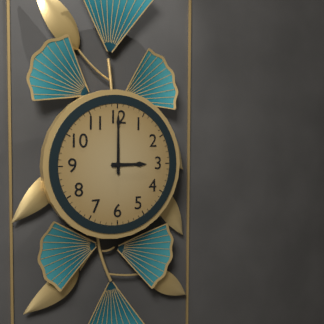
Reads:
{"hour": 3, "minute": 0}
